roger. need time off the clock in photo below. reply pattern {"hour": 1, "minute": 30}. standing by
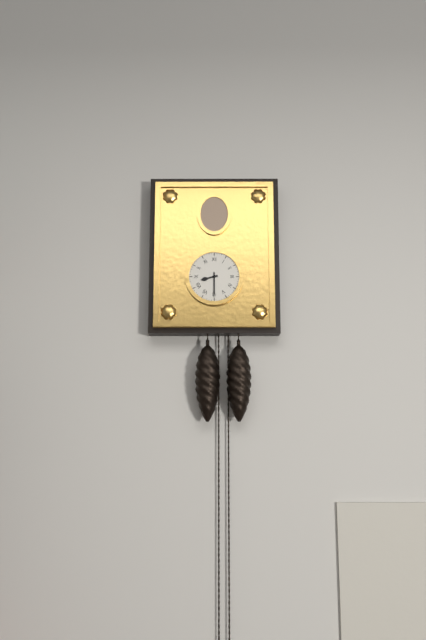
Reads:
{"hour": 8, "minute": 30}
